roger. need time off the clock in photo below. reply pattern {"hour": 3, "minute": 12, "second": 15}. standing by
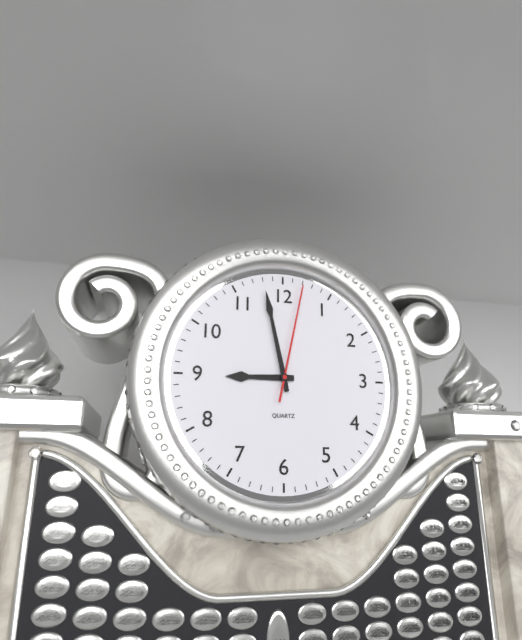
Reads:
{"hour": 8, "minute": 58, "second": 2}
